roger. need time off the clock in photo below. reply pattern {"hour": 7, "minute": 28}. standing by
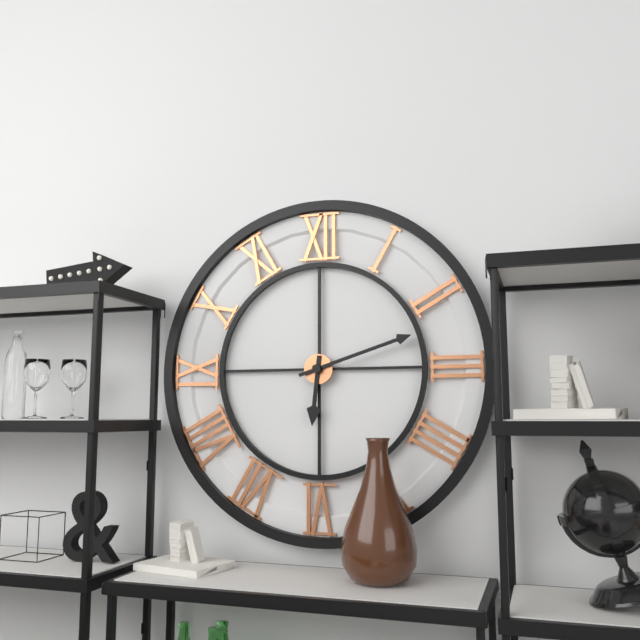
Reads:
{"hour": 6, "minute": 12}
